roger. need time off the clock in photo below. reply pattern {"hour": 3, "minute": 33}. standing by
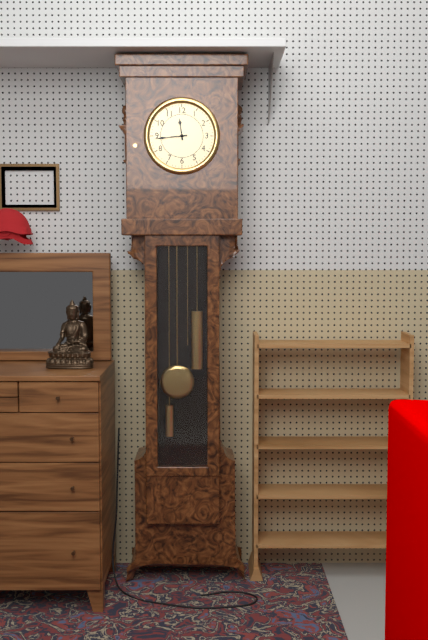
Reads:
{"hour": 11, "minute": 44}
